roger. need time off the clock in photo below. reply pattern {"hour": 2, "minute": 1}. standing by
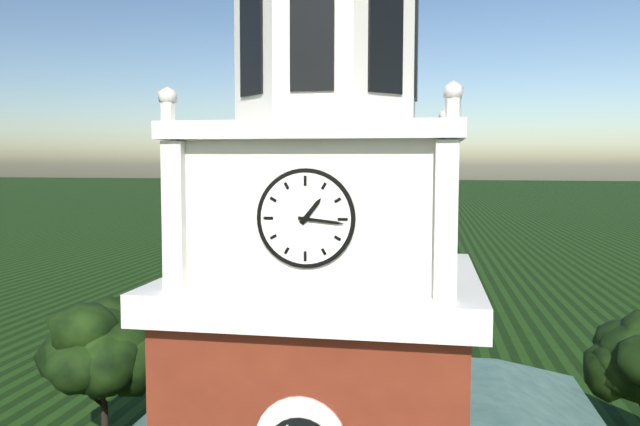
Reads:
{"hour": 1, "minute": 16}
